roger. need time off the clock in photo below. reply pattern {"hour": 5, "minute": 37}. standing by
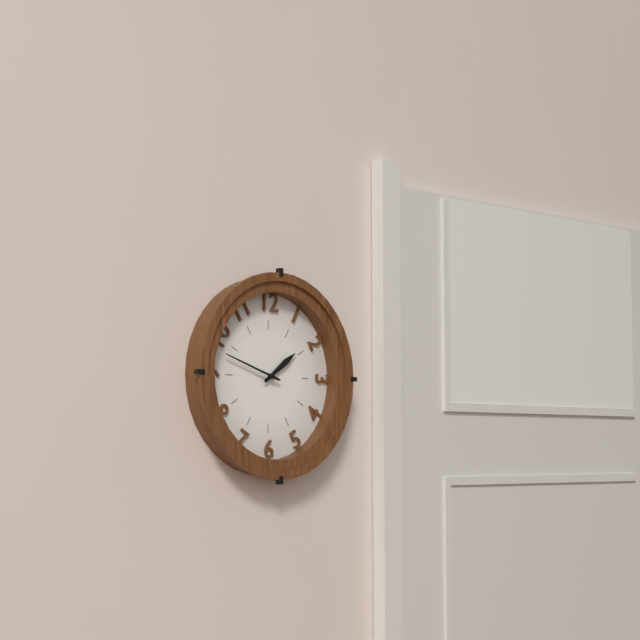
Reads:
{"hour": 1, "minute": 48}
